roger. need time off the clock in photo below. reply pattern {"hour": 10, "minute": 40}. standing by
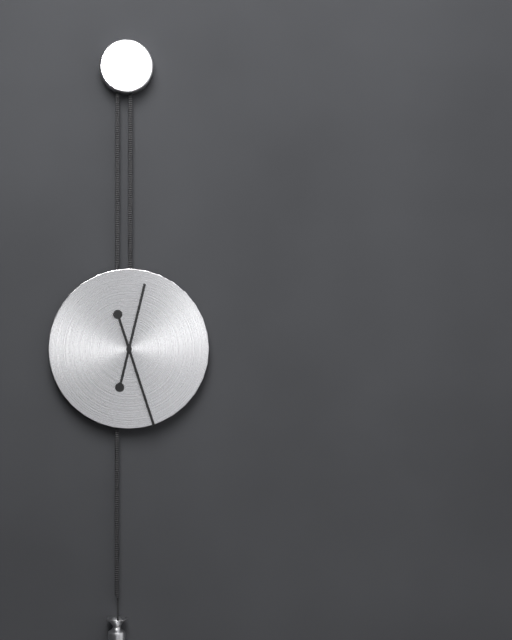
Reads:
{"hour": 12, "minute": 27}
